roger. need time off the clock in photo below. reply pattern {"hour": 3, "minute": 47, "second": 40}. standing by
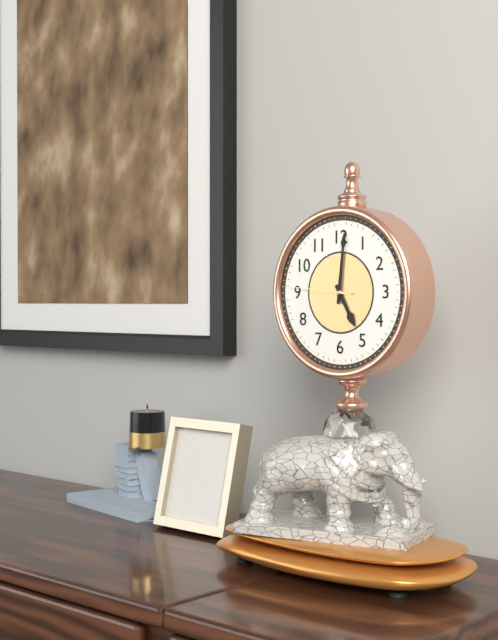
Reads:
{"hour": 5, "minute": 1, "second": 46}
